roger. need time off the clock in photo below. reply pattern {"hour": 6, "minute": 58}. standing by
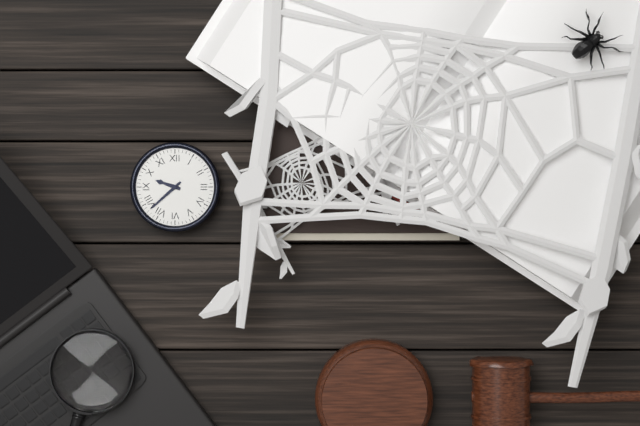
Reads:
{"hour": 9, "minute": 38}
